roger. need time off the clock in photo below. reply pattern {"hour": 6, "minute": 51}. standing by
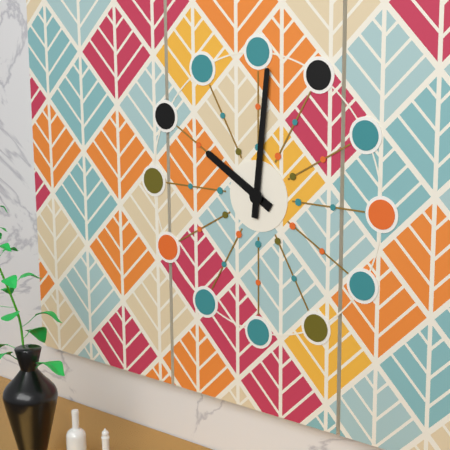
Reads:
{"hour": 10, "minute": 1}
